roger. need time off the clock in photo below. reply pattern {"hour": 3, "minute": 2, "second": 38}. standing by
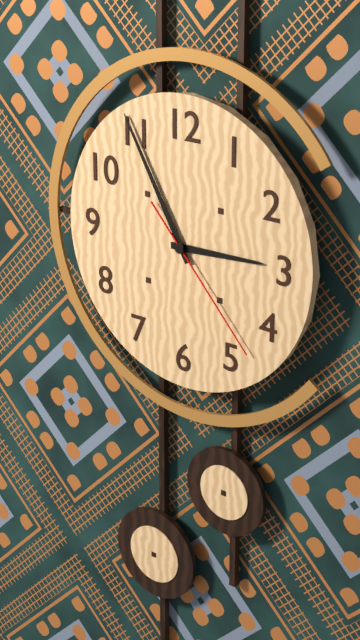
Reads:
{"hour": 2, "minute": 55, "second": 23}
